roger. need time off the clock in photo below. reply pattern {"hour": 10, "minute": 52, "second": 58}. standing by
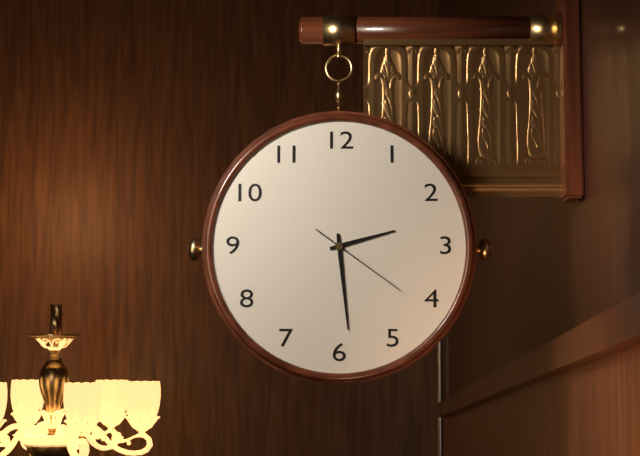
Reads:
{"hour": 2, "minute": 29, "second": 21}
